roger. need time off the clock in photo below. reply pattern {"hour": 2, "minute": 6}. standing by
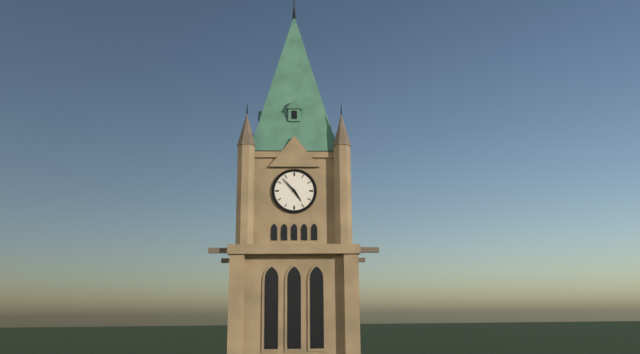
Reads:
{"hour": 4, "minute": 53}
